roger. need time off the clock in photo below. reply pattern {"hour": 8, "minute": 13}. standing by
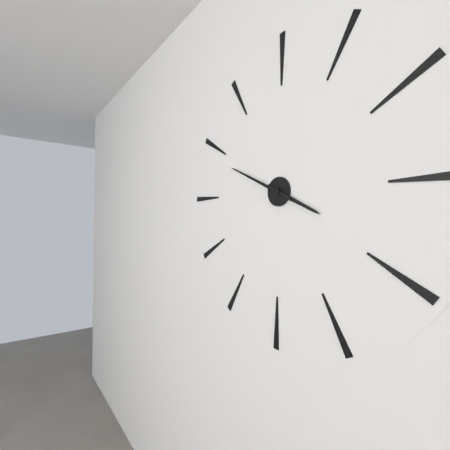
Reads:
{"hour": 3, "minute": 49}
